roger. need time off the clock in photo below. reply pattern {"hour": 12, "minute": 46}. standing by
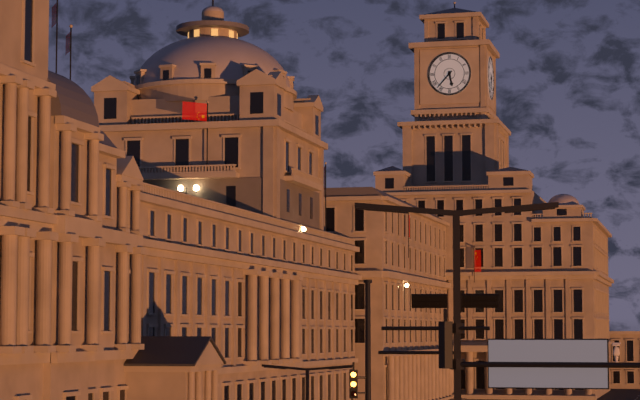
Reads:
{"hour": 5, "minute": 37}
